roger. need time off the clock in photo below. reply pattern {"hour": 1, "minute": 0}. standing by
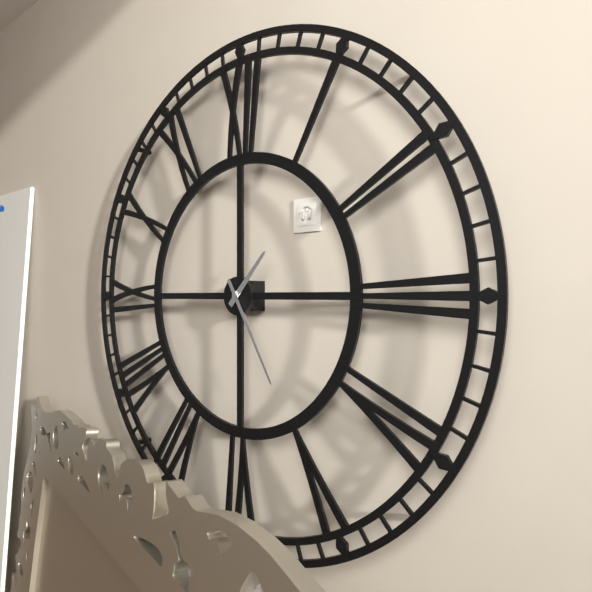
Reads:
{"hour": 1, "minute": 25}
